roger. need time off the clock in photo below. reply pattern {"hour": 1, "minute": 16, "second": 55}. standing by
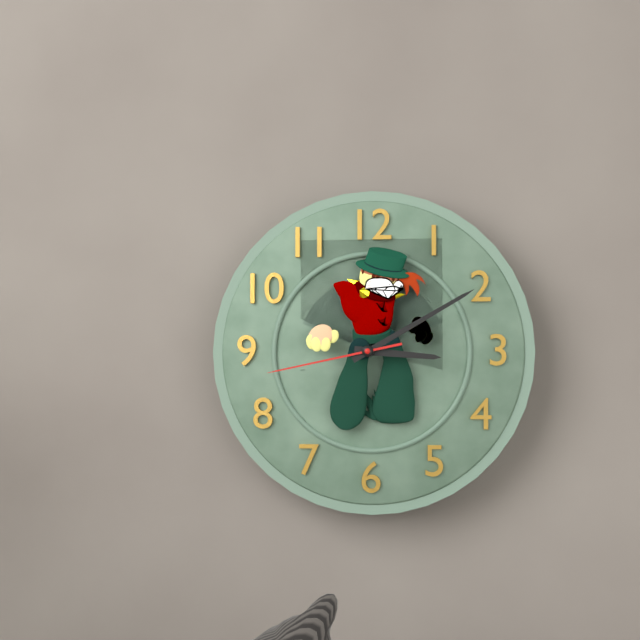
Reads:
{"hour": 3, "minute": 10, "second": 43}
